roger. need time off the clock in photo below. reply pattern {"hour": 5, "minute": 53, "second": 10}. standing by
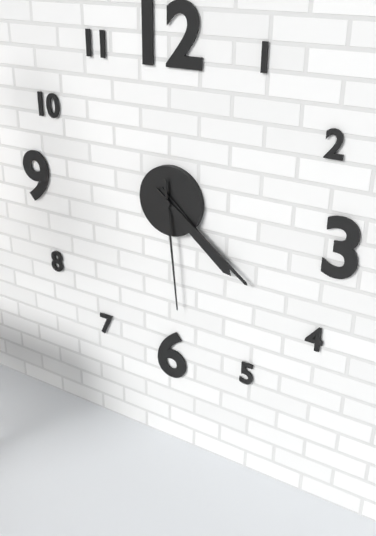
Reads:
{"hour": 4, "minute": 21, "second": 29}
